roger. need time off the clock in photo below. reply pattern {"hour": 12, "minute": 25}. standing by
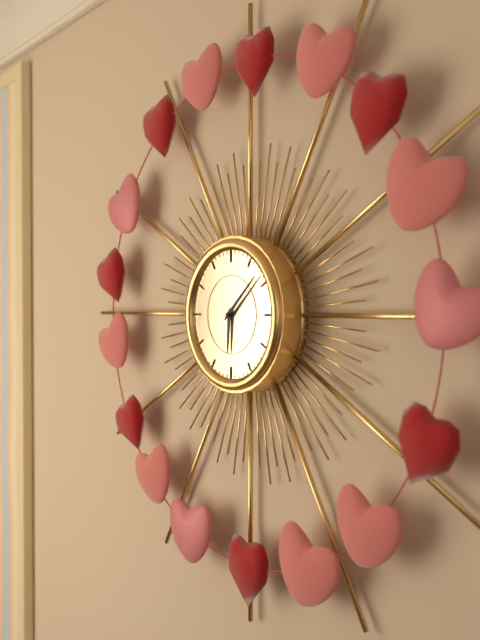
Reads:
{"hour": 6, "minute": 8}
